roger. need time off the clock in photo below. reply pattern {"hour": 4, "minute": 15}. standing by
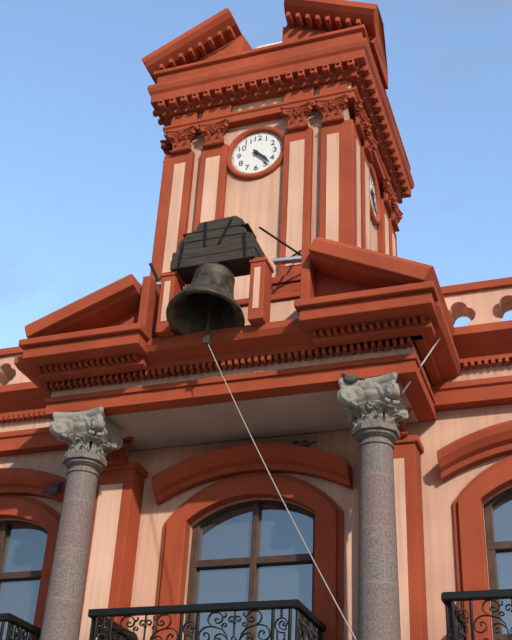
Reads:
{"hour": 4, "minute": 23}
